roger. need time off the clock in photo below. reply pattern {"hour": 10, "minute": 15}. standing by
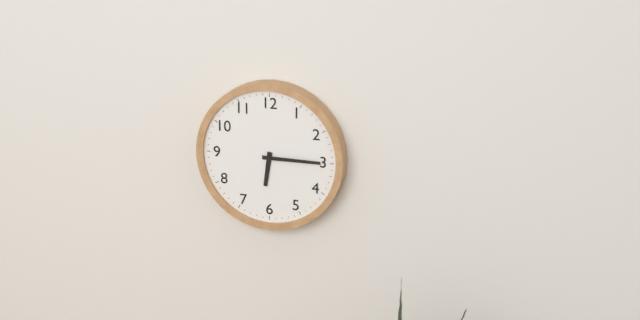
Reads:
{"hour": 6, "minute": 15}
